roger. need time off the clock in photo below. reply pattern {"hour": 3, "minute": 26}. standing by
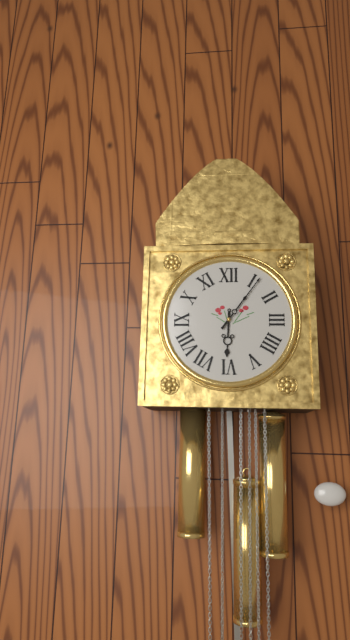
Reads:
{"hour": 6, "minute": 6}
